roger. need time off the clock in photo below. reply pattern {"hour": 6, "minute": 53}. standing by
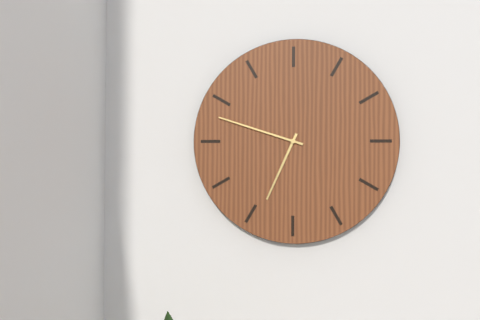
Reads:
{"hour": 6, "minute": 48}
